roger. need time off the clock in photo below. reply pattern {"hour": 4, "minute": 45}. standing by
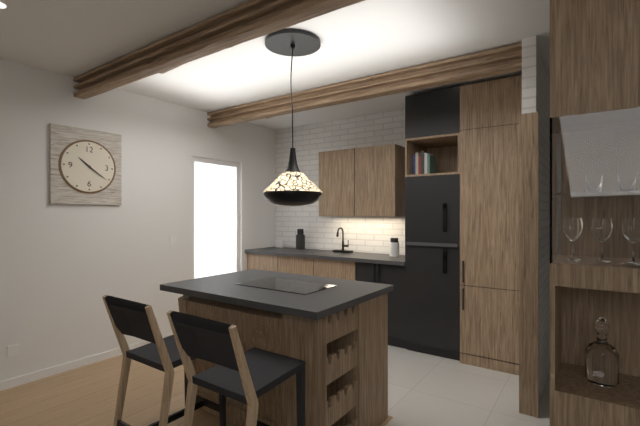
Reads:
{"hour": 10, "minute": 21}
